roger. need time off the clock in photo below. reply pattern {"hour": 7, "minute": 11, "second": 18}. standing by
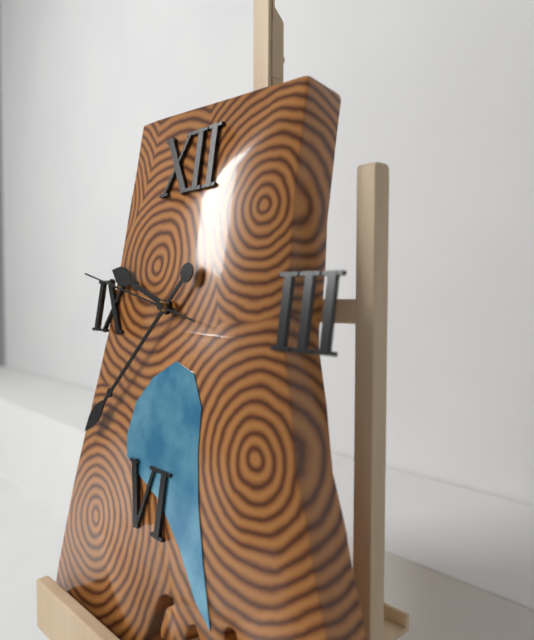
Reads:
{"hour": 9, "minute": 37, "second": 47}
